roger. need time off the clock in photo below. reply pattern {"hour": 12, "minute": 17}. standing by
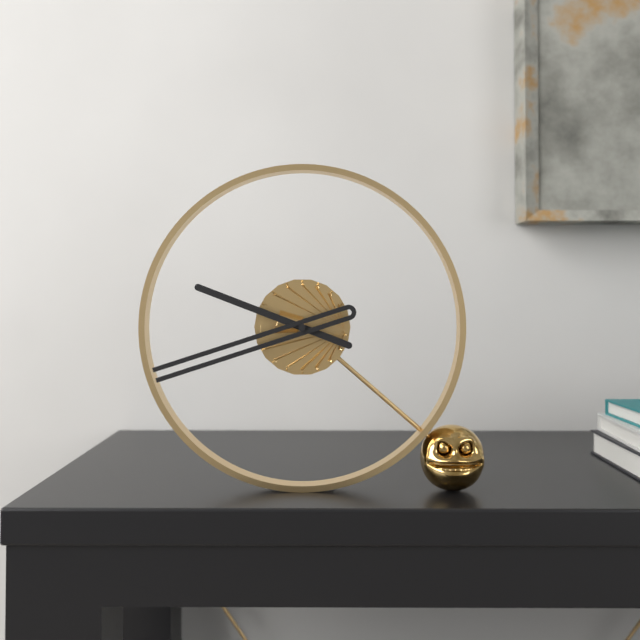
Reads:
{"hour": 9, "minute": 42}
